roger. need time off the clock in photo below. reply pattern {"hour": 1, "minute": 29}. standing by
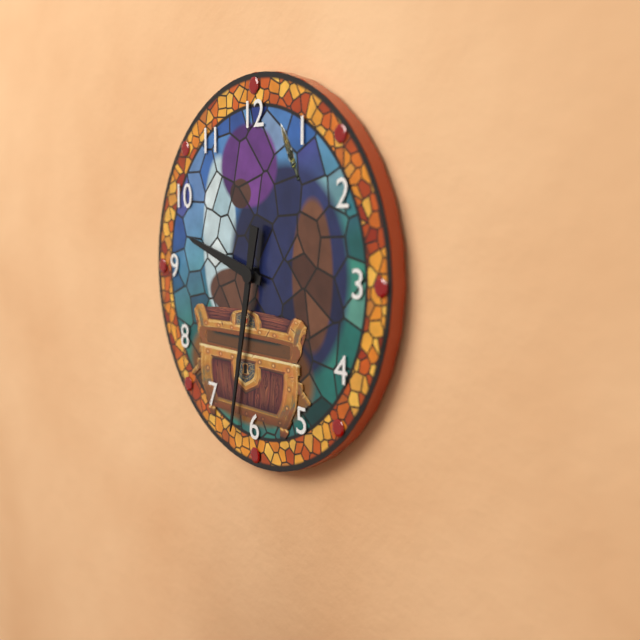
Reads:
{"hour": 9, "minute": 32}
